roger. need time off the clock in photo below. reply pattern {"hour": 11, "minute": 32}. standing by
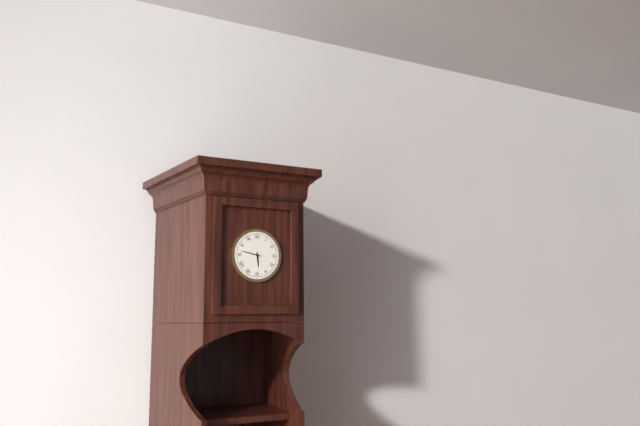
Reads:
{"hour": 5, "minute": 47}
